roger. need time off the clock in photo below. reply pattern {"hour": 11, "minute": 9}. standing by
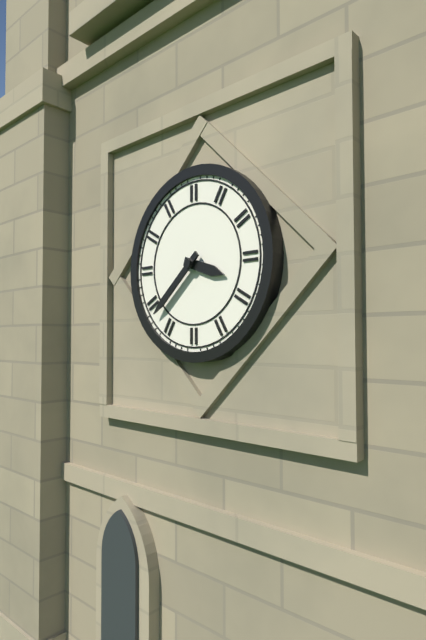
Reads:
{"hour": 3, "minute": 38}
